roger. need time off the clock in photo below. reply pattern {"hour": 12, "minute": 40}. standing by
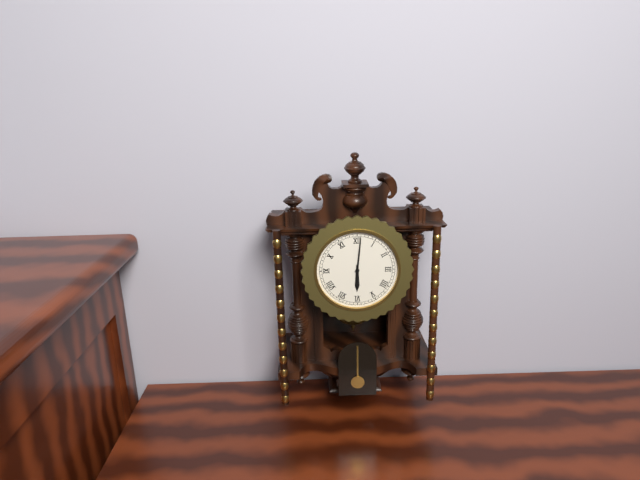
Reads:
{"hour": 6, "minute": 1}
